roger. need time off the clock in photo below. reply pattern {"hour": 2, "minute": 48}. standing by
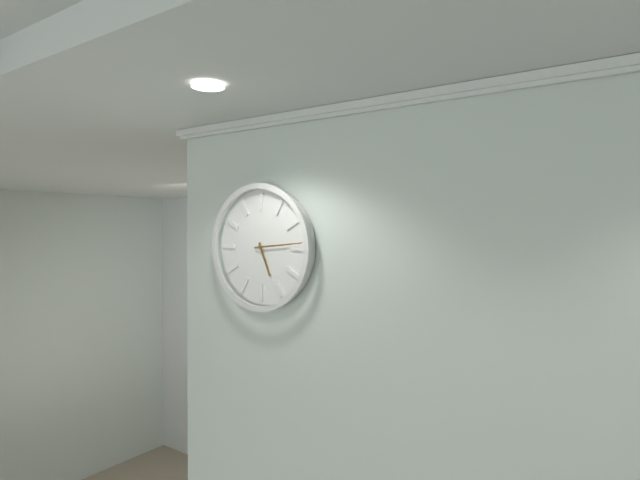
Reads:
{"hour": 5, "minute": 14}
